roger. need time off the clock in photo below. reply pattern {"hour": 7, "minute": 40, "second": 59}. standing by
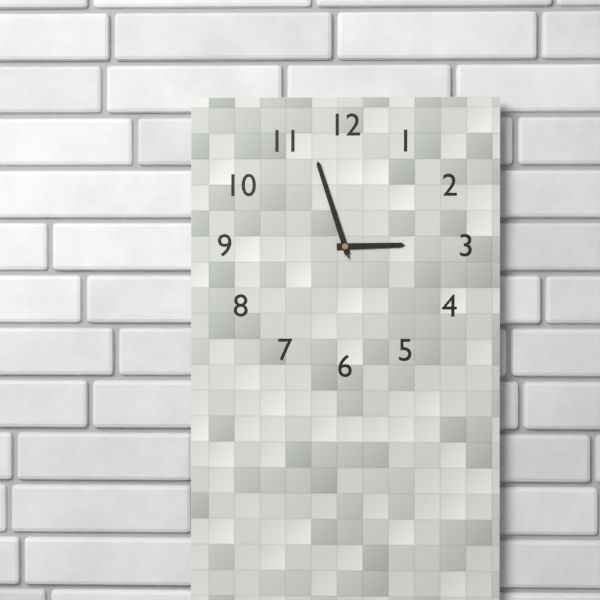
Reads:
{"hour": 2, "minute": 57, "second": 57}
